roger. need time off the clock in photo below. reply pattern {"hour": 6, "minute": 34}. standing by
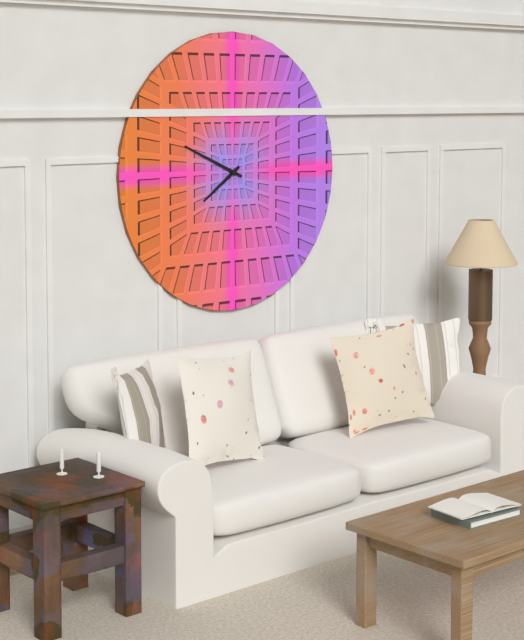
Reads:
{"hour": 7, "minute": 49}
